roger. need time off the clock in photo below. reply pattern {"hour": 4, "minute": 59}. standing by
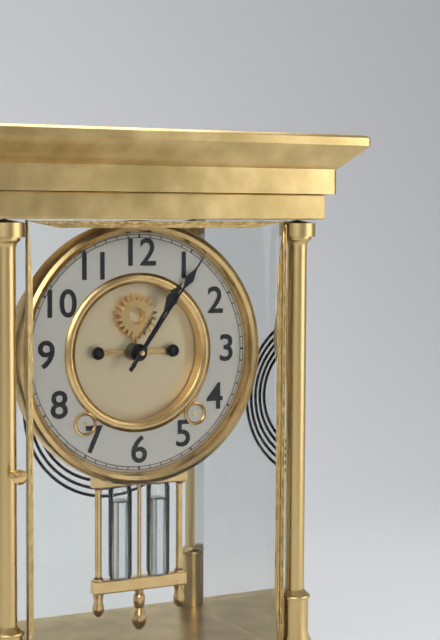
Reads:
{"hour": 1, "minute": 6}
